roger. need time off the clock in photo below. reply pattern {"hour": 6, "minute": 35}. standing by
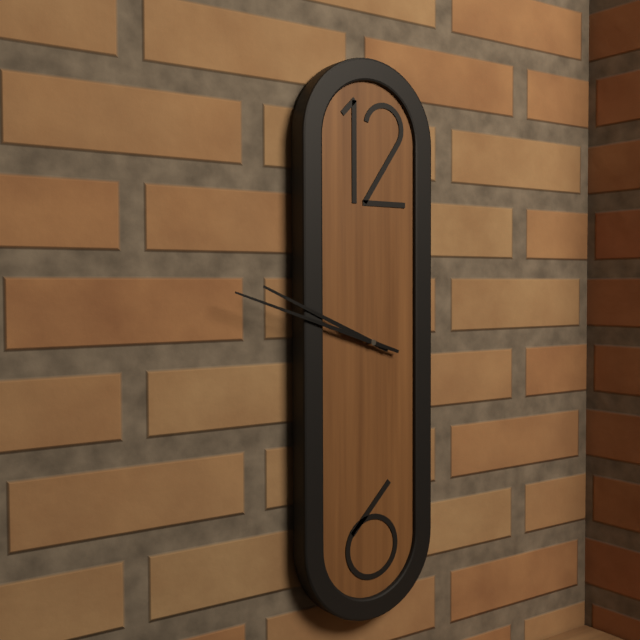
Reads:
{"hour": 9, "minute": 48}
